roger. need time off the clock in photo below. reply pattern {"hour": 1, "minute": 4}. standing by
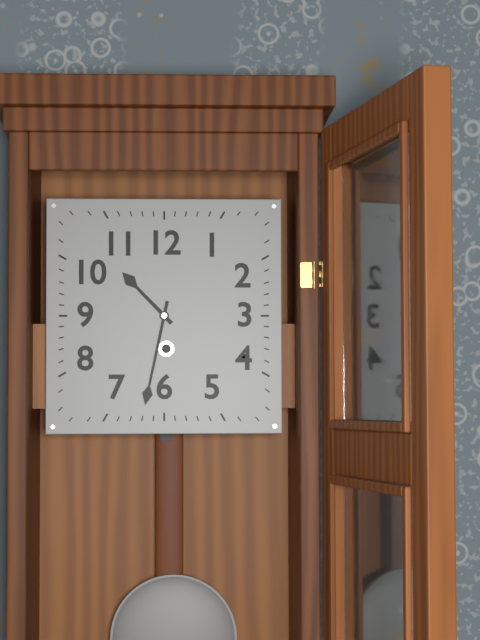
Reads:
{"hour": 10, "minute": 32}
